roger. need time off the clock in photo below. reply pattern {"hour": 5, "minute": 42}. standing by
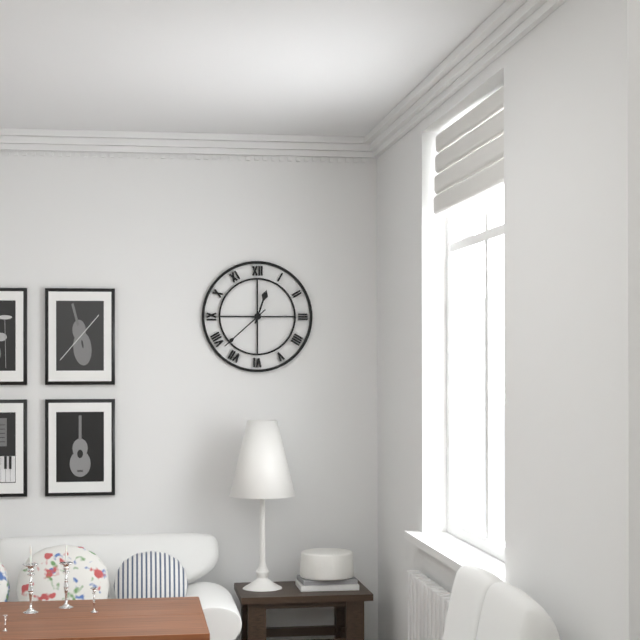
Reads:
{"hour": 12, "minute": 38}
